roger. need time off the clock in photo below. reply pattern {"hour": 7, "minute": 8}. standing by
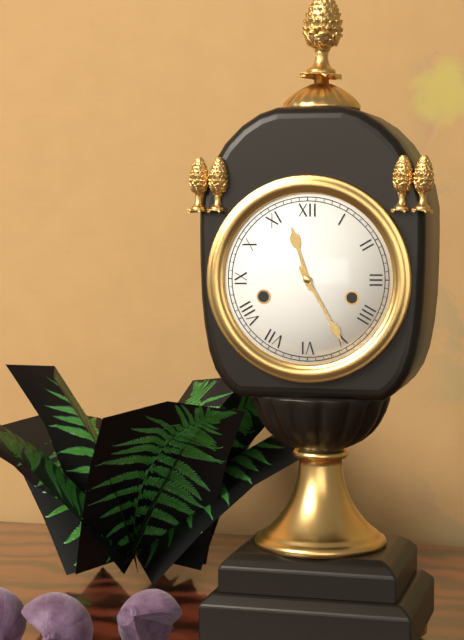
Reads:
{"hour": 11, "minute": 25}
